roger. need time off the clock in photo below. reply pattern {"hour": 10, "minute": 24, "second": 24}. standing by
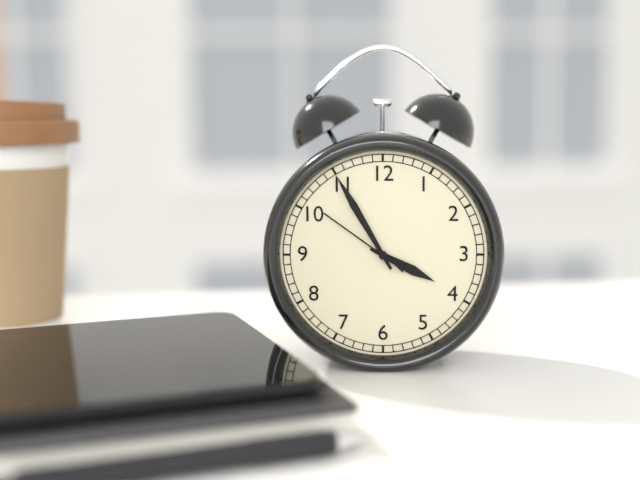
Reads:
{"hour": 3, "minute": 55, "second": 51}
